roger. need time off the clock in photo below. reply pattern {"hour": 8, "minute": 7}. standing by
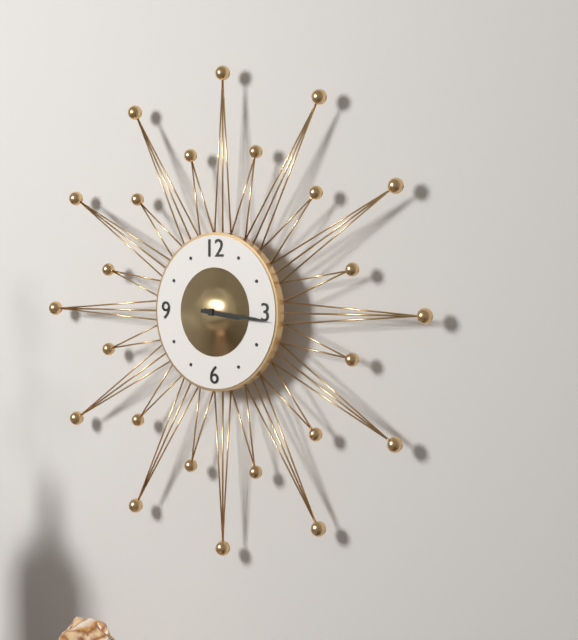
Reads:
{"hour": 3, "minute": 16}
